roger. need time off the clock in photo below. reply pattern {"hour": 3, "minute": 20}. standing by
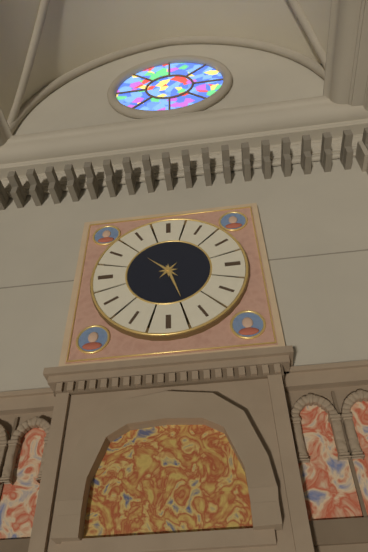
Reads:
{"hour": 10, "minute": 27}
